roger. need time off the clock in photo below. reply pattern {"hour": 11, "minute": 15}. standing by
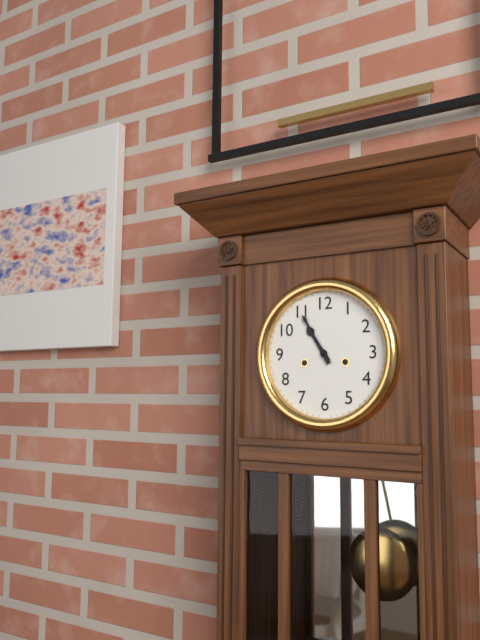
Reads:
{"hour": 10, "minute": 55}
